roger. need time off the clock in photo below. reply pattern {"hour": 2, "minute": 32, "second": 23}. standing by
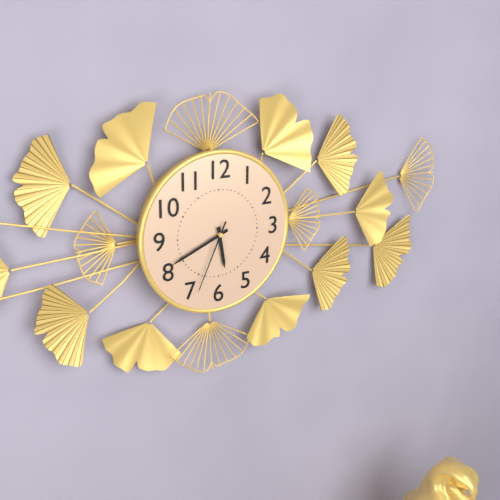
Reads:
{"hour": 5, "minute": 41, "second": 34}
